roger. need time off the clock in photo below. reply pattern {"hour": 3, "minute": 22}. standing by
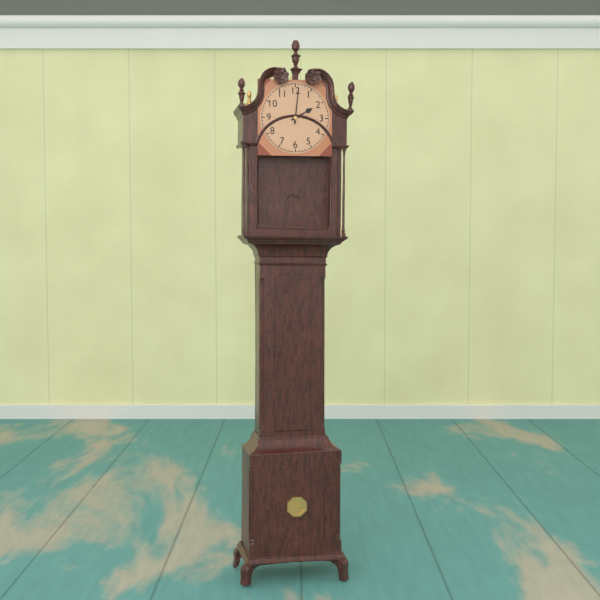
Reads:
{"hour": 2, "minute": 1}
